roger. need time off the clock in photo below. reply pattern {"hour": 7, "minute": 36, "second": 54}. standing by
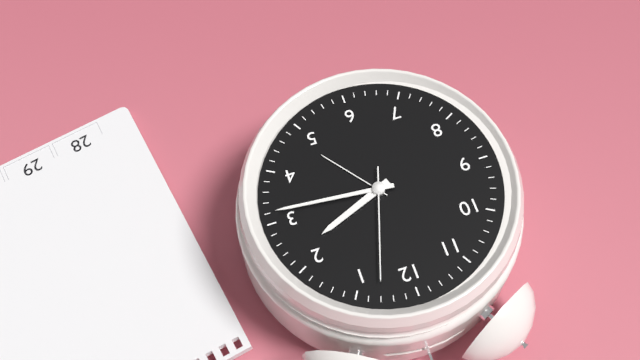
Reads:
{"hour": 2, "minute": 16, "second": 3}
